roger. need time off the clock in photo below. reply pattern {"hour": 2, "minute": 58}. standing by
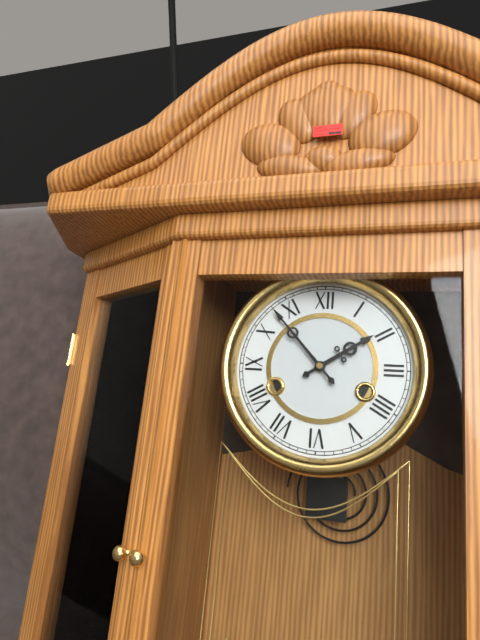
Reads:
{"hour": 1, "minute": 53}
